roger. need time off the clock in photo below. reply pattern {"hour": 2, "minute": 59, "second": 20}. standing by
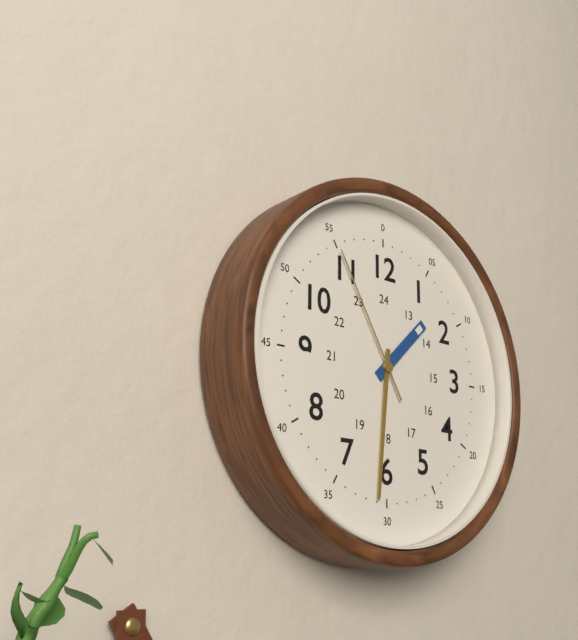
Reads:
{"hour": 1, "minute": 31, "second": 55}
